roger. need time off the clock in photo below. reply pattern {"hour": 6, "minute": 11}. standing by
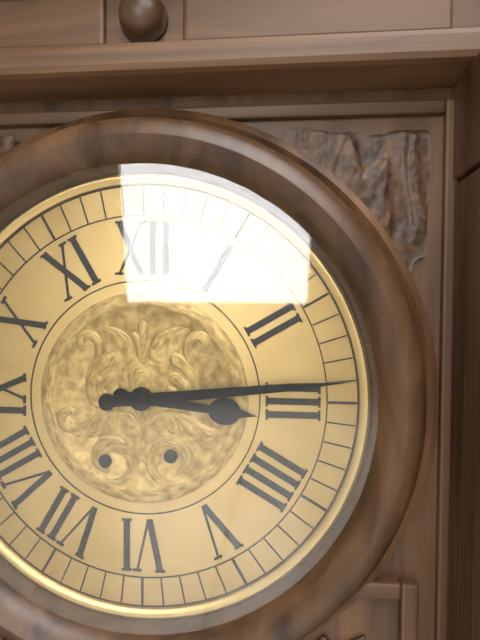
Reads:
{"hour": 3, "minute": 14}
